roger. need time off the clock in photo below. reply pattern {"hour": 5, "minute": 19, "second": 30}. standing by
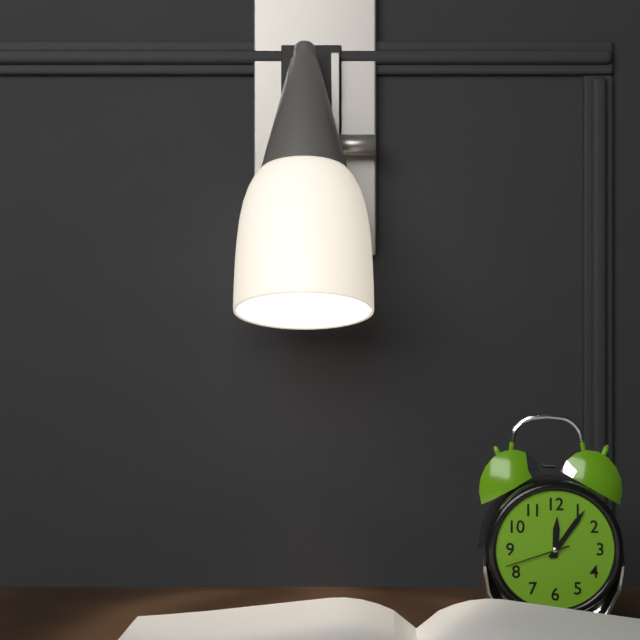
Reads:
{"hour": 12, "minute": 6, "second": 42}
